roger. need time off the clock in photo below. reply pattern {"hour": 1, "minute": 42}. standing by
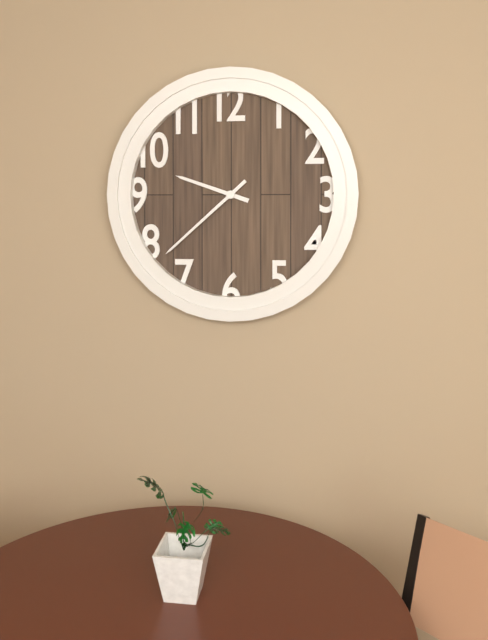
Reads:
{"hour": 9, "minute": 38}
